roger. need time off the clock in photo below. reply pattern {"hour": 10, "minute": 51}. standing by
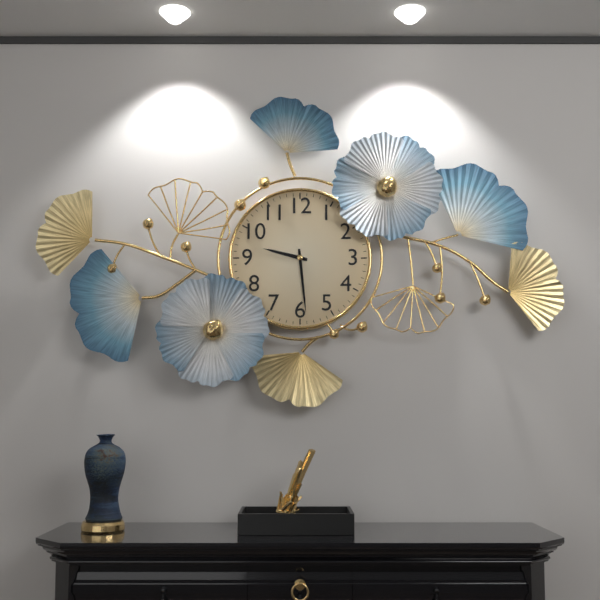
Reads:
{"hour": 9, "minute": 29}
